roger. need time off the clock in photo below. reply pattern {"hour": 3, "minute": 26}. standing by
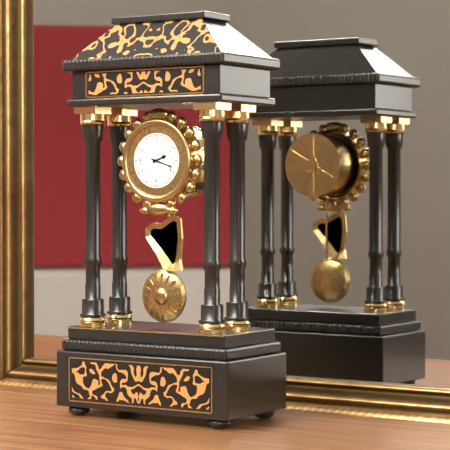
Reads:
{"hour": 2, "minute": 18}
